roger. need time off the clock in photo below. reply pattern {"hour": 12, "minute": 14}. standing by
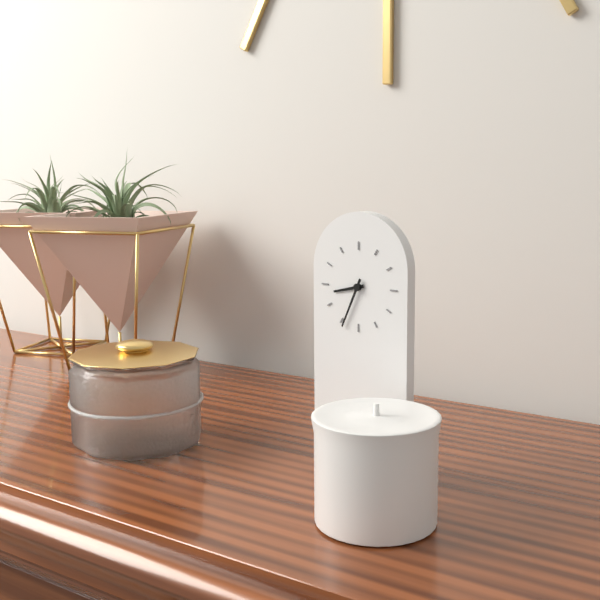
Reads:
{"hour": 8, "minute": 34}
